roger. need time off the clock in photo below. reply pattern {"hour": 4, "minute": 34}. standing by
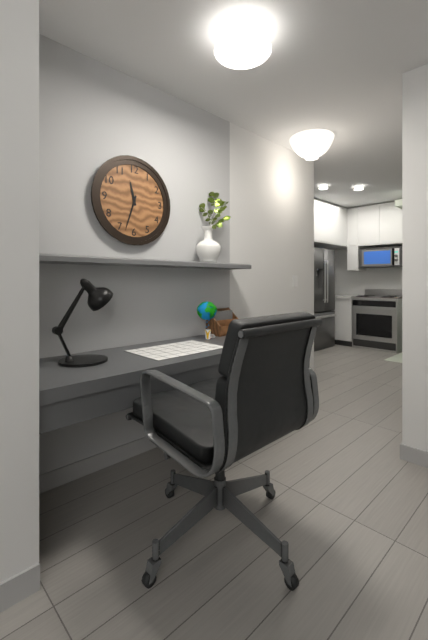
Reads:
{"hour": 11, "minute": 33}
